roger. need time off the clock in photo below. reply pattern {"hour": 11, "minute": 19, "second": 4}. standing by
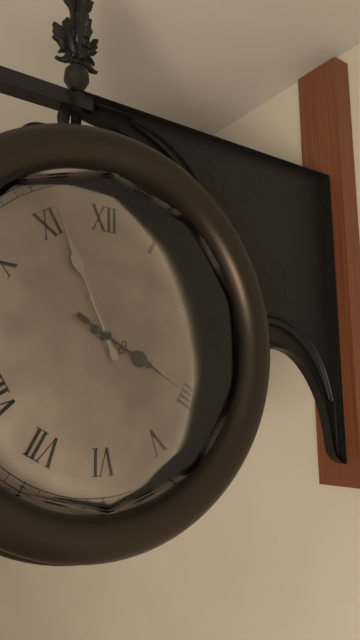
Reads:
{"hour": 3, "minute": 56, "second": 20}
